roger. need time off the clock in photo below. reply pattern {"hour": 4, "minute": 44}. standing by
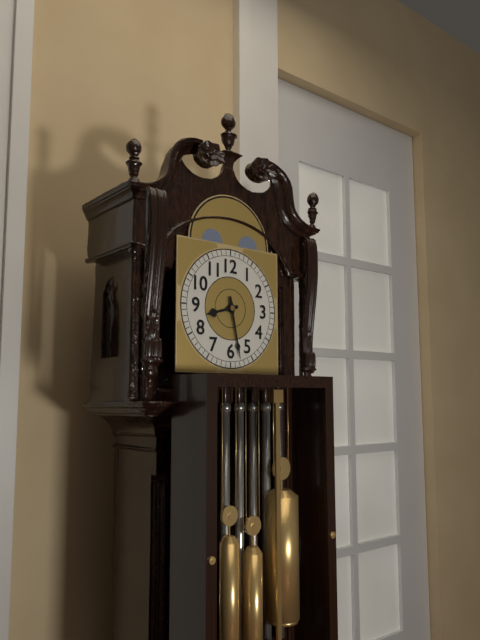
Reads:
{"hour": 8, "minute": 28}
